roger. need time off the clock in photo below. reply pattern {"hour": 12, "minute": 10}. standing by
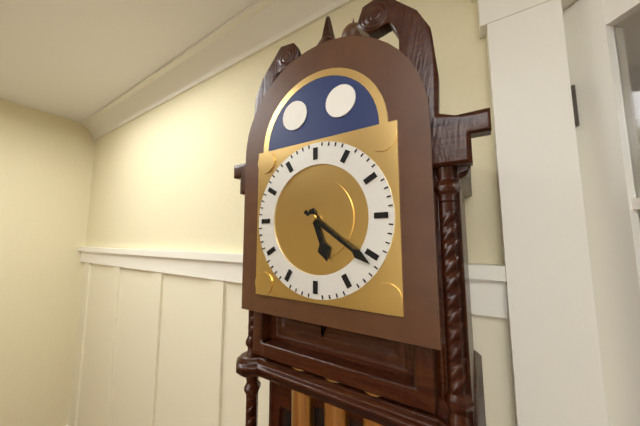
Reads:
{"hour": 5, "minute": 21}
